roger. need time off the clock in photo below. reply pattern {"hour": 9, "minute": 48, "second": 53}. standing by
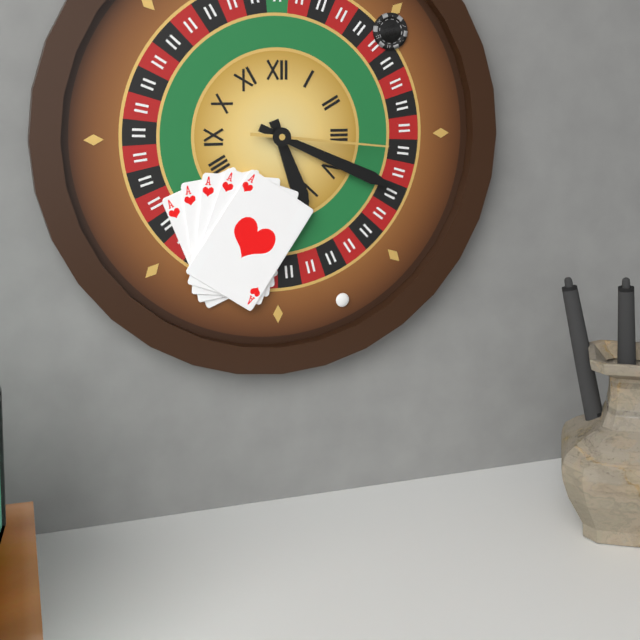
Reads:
{"hour": 5, "minute": 19, "second": 16}
